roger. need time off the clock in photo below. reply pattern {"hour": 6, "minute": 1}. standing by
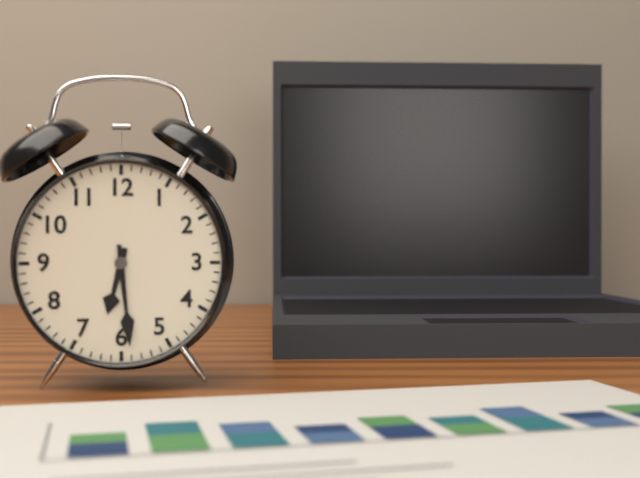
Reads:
{"hour": 6, "minute": 29}
